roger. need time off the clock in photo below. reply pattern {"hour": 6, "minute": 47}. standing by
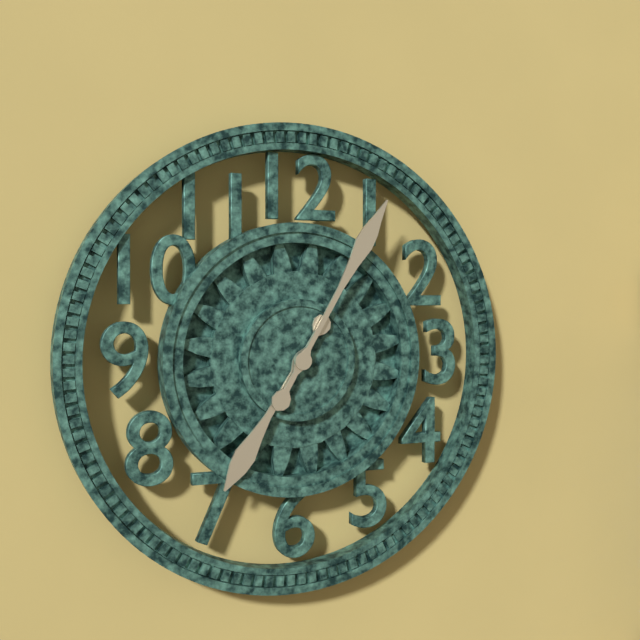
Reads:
{"hour": 7, "minute": 5}
